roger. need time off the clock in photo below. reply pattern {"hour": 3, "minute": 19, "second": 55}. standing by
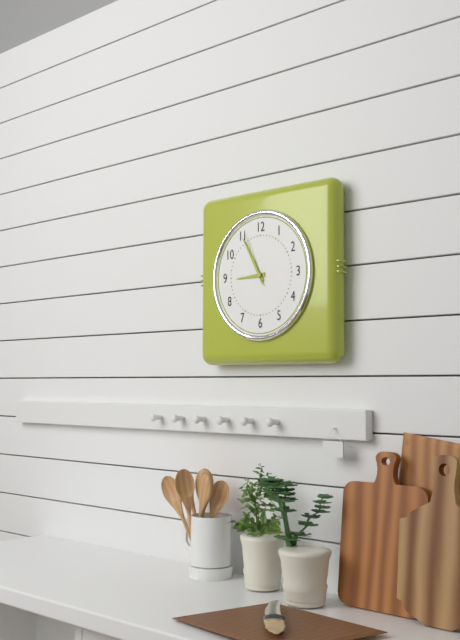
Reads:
{"hour": 8, "minute": 55, "second": 56}
